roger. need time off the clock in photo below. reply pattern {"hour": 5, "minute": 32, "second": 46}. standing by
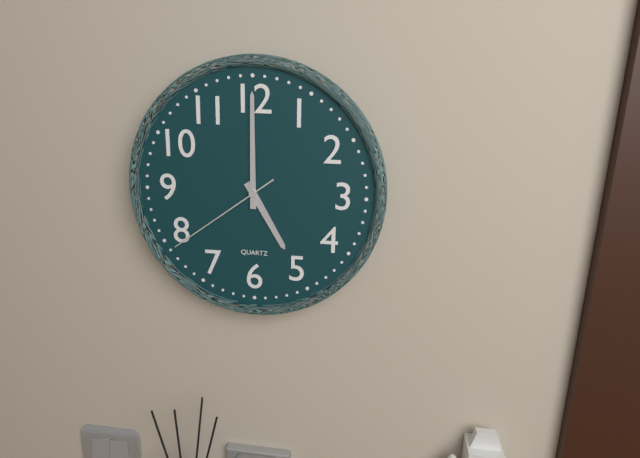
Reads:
{"hour": 5, "minute": 0, "second": 39}
